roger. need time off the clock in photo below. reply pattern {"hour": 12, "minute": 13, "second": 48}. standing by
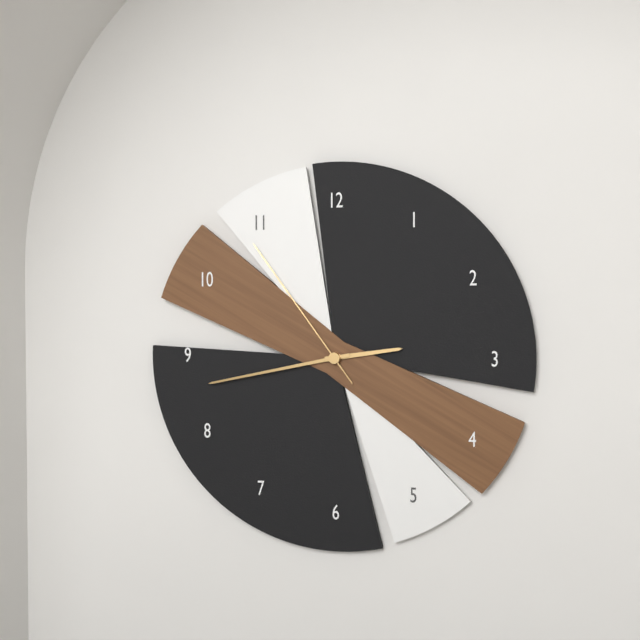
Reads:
{"hour": 2, "minute": 43, "second": 54}
